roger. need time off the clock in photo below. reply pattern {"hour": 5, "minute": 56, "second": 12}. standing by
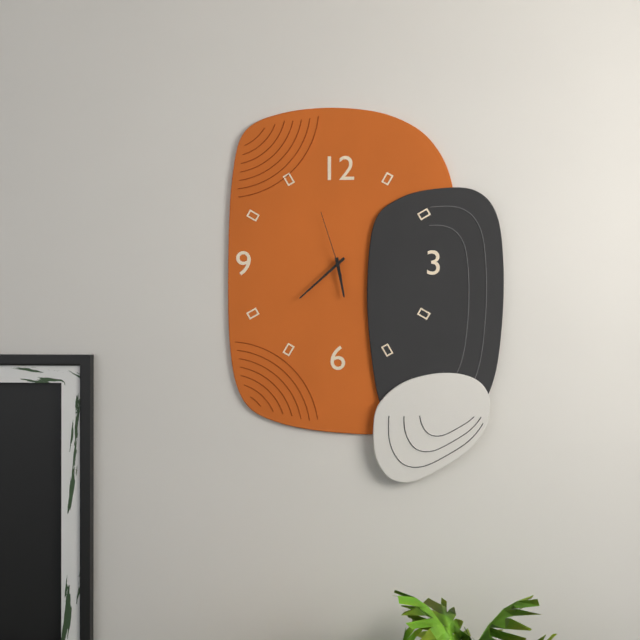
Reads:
{"hour": 5, "minute": 38, "second": 57}
